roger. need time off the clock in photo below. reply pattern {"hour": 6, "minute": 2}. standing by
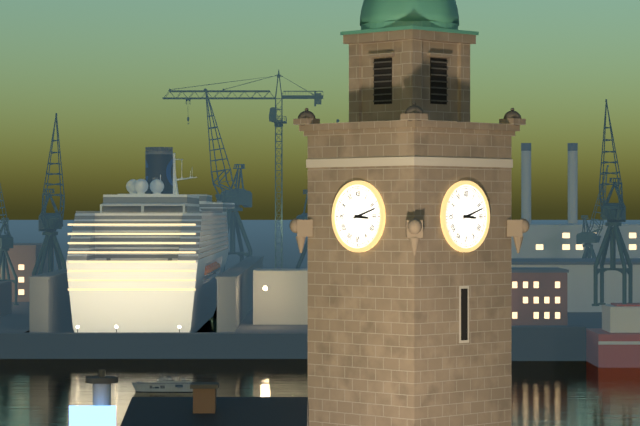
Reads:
{"hour": 3, "minute": 12}
